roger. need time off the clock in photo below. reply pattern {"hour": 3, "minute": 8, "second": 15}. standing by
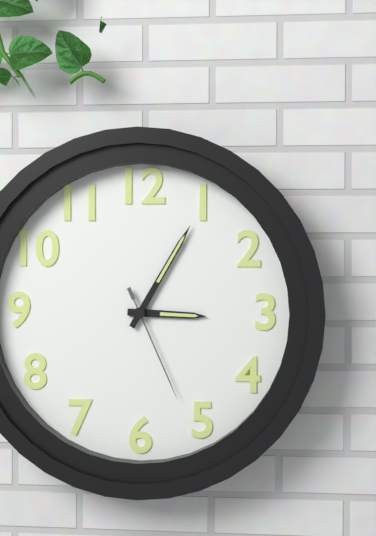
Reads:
{"hour": 3, "minute": 5, "second": 26}
